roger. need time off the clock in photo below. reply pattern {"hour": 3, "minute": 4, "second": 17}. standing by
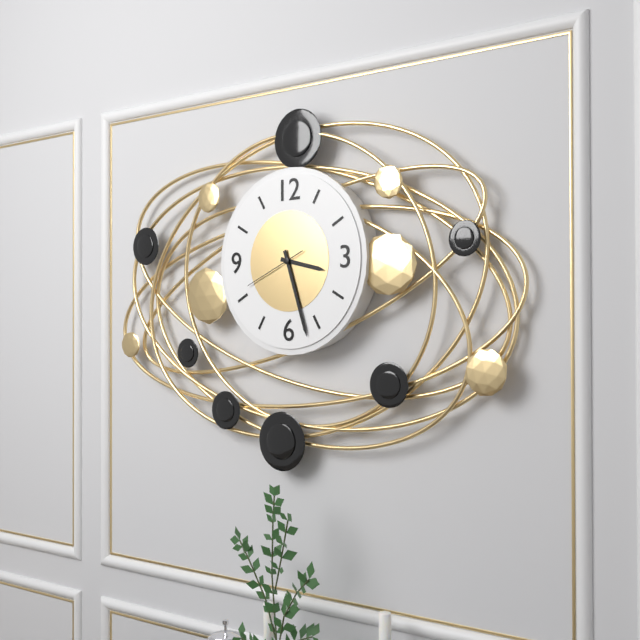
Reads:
{"hour": 3, "minute": 27, "second": 41}
